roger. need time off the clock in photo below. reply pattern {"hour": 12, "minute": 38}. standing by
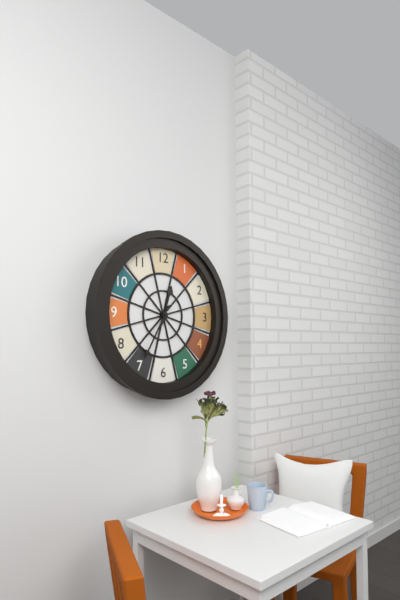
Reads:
{"hour": 12, "minute": 35}
